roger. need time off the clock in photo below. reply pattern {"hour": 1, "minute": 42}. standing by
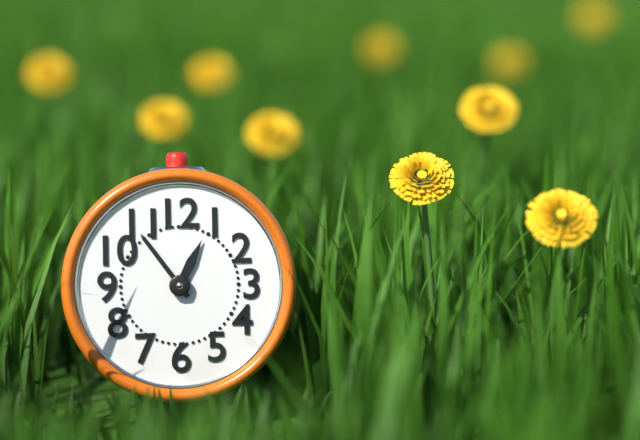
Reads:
{"hour": 12, "minute": 54}
